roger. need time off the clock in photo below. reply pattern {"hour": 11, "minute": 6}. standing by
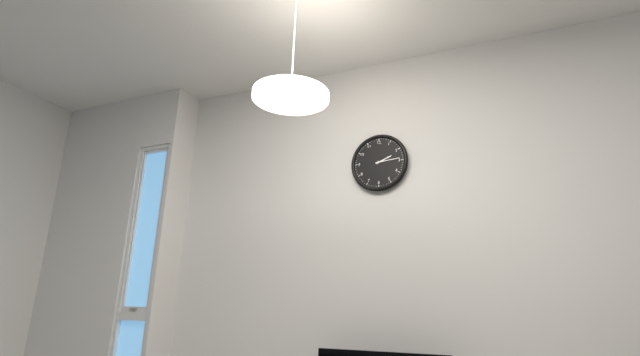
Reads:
{"hour": 2, "minute": 14}
